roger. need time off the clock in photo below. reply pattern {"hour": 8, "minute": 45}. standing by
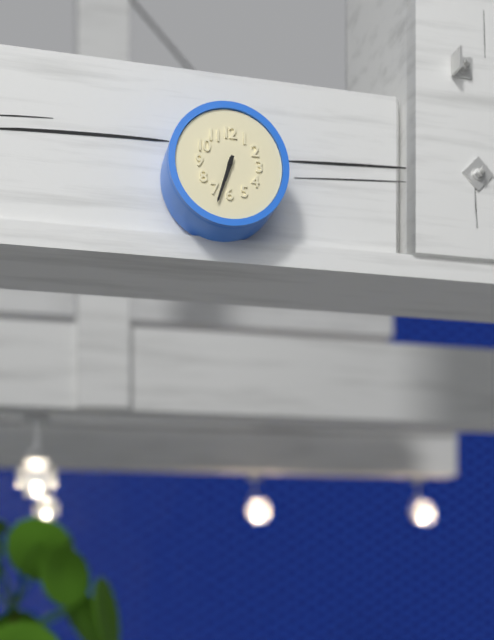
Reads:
{"hour": 6, "minute": 33}
